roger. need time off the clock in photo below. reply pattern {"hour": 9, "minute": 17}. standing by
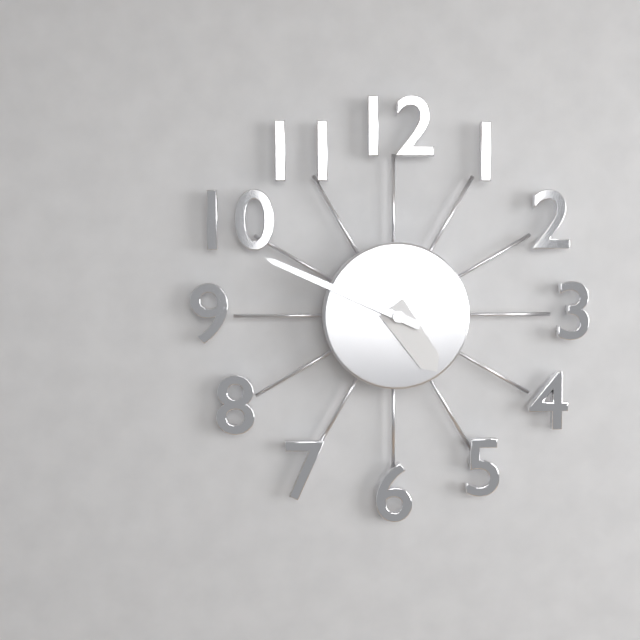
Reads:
{"hour": 4, "minute": 49}
